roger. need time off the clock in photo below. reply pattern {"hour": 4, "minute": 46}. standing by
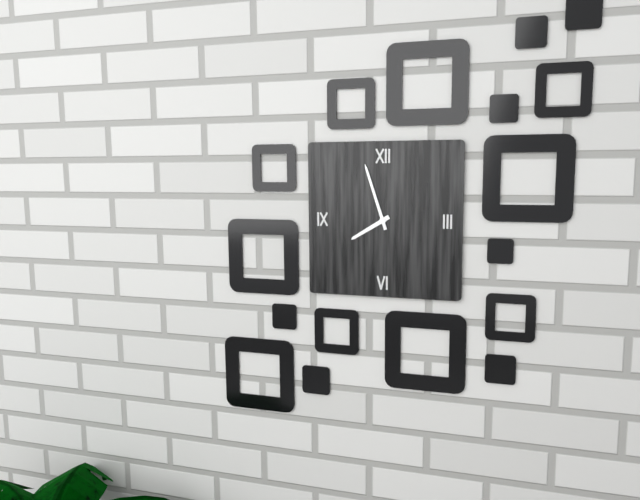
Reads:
{"hour": 7, "minute": 57}
